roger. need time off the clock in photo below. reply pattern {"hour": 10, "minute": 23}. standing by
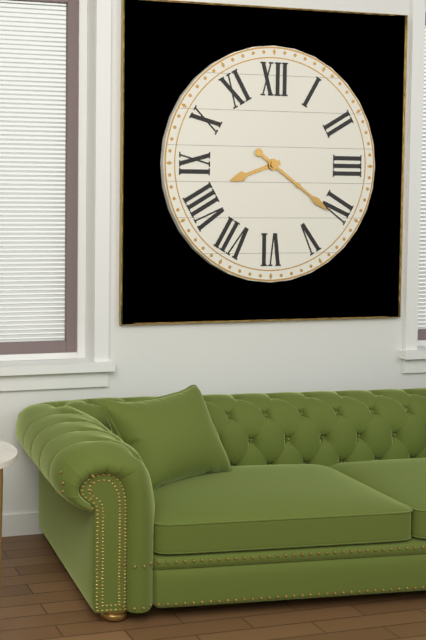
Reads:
{"hour": 8, "minute": 21}
